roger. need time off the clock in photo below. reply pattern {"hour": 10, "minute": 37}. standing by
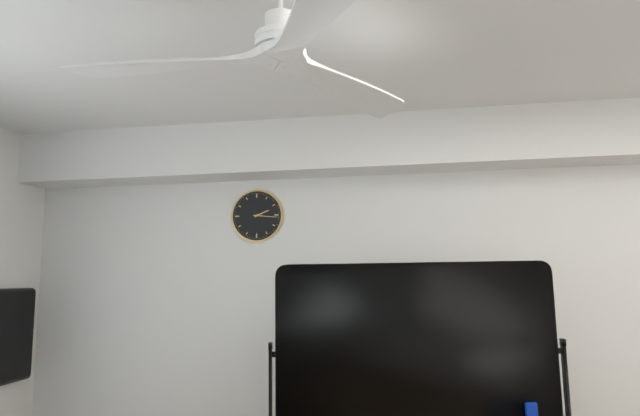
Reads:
{"hour": 2, "minute": 16}
